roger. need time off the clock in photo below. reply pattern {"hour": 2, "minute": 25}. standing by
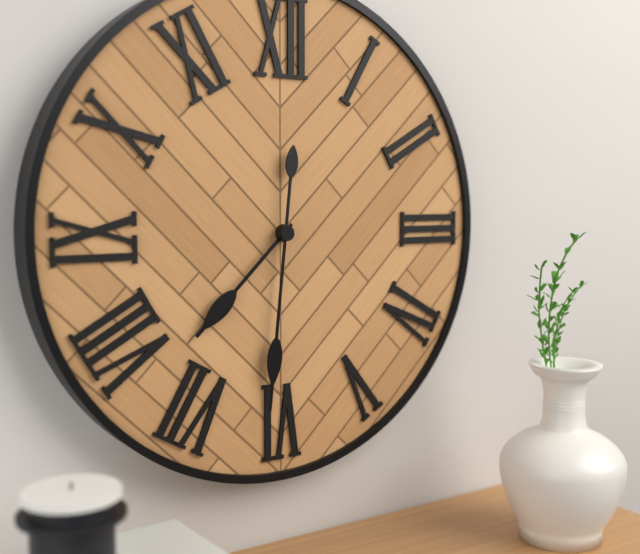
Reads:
{"hour": 7, "minute": 31}
